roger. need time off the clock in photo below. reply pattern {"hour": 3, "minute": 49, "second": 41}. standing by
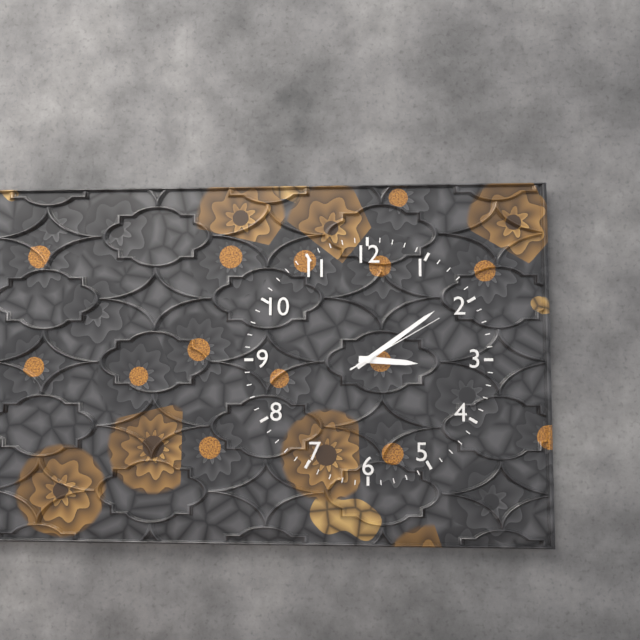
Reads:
{"hour": 3, "minute": 9, "second": 10}
